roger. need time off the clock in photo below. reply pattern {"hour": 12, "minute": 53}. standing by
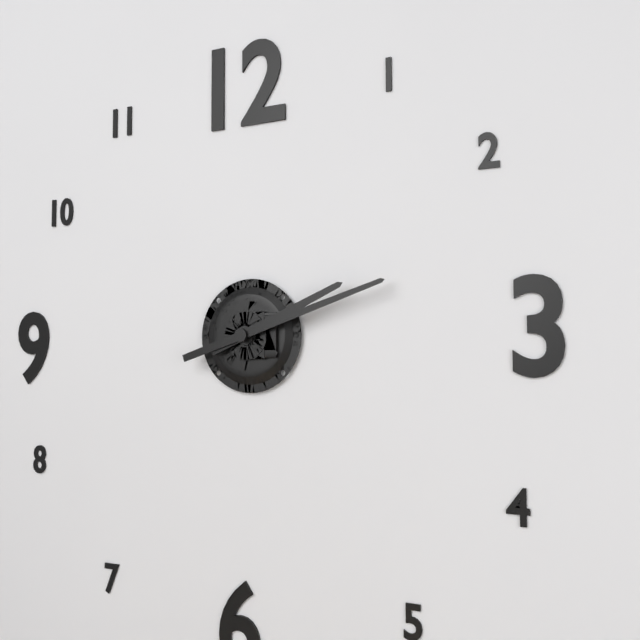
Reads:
{"hour": 2, "minute": 12}
